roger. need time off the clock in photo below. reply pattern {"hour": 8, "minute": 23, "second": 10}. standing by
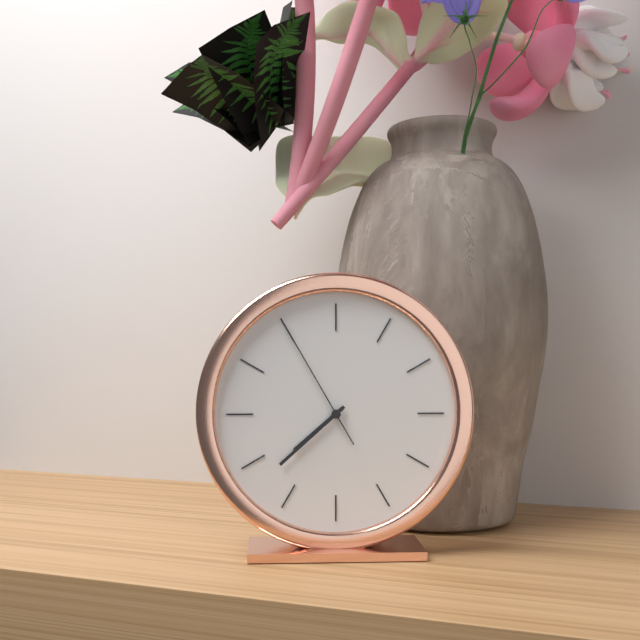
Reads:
{"hour": 7, "minute": 38, "second": 55}
